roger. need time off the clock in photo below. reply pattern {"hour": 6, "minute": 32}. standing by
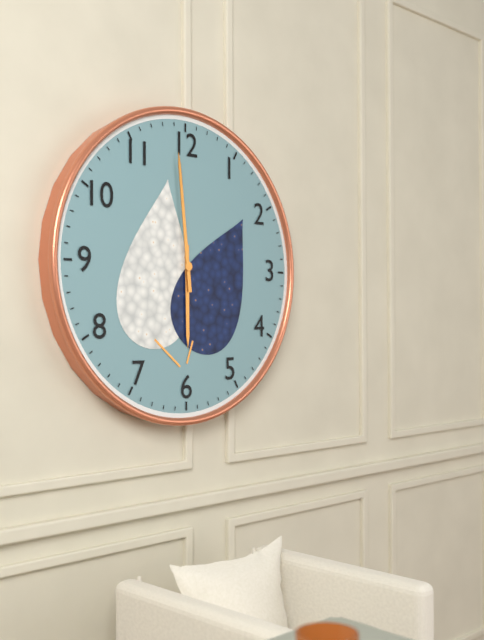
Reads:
{"hour": 5, "minute": 59}
